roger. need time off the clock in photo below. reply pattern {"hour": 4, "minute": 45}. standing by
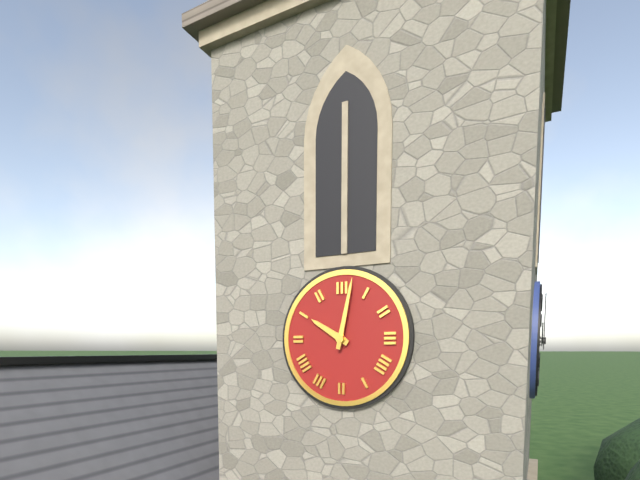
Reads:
{"hour": 10, "minute": 2}
